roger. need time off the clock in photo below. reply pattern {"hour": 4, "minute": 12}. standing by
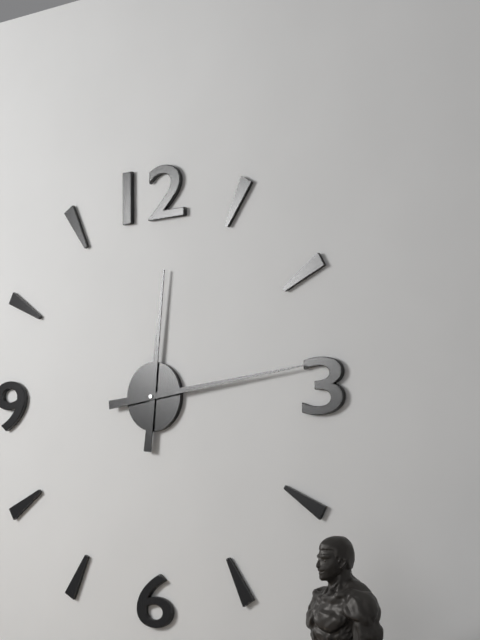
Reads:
{"hour": 12, "minute": 14}
